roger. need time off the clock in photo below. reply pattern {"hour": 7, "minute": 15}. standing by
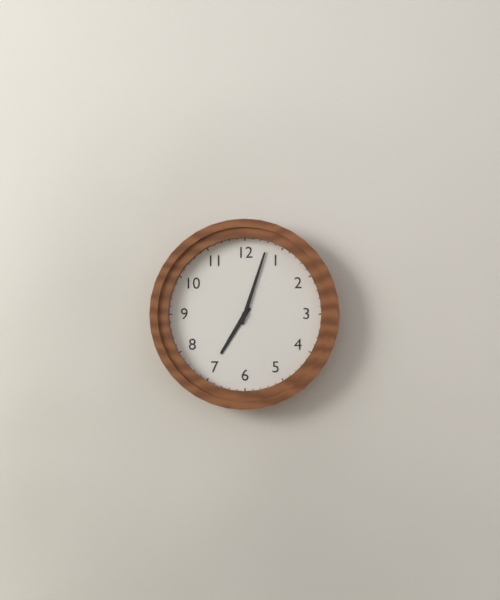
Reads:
{"hour": 7, "minute": 3}
